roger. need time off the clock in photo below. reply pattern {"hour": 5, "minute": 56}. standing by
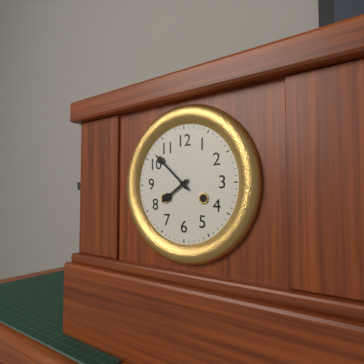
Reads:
{"hour": 7, "minute": 52}
